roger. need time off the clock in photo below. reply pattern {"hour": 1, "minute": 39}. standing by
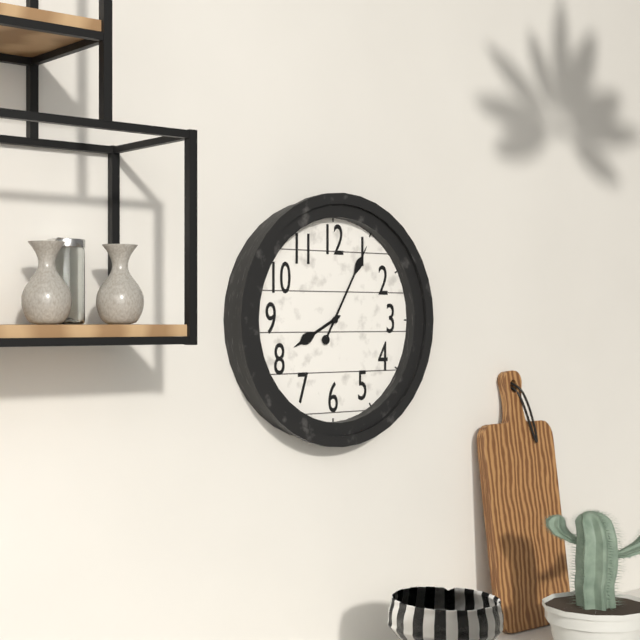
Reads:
{"hour": 8, "minute": 5}
